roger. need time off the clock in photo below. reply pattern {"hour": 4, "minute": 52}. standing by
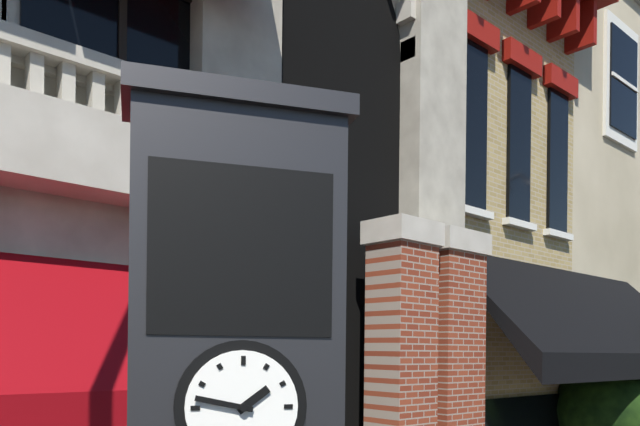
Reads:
{"hour": 1, "minute": 47}
